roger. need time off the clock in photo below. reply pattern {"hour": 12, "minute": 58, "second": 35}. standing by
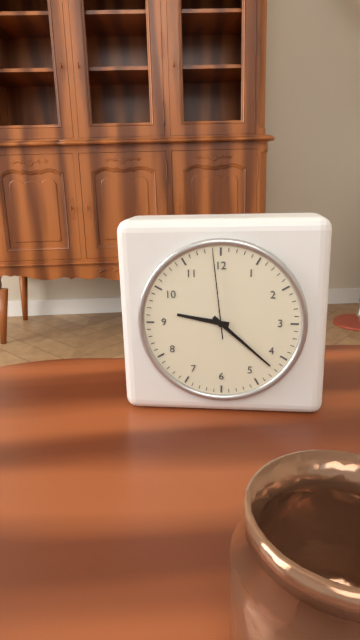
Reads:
{"hour": 9, "minute": 22, "second": 59}
